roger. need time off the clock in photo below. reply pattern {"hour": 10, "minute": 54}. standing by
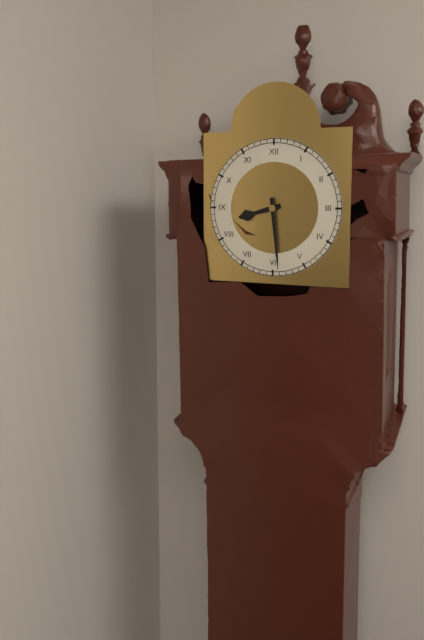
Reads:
{"hour": 8, "minute": 29}
